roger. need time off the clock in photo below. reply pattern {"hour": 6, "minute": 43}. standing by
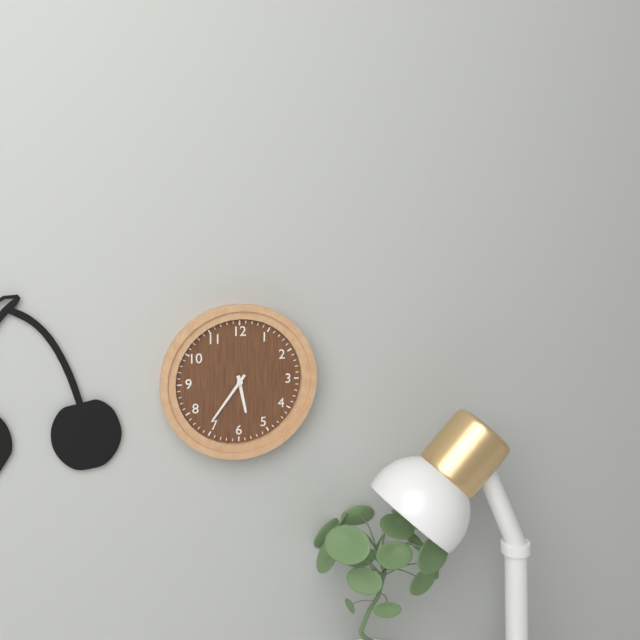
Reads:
{"hour": 5, "minute": 36}
